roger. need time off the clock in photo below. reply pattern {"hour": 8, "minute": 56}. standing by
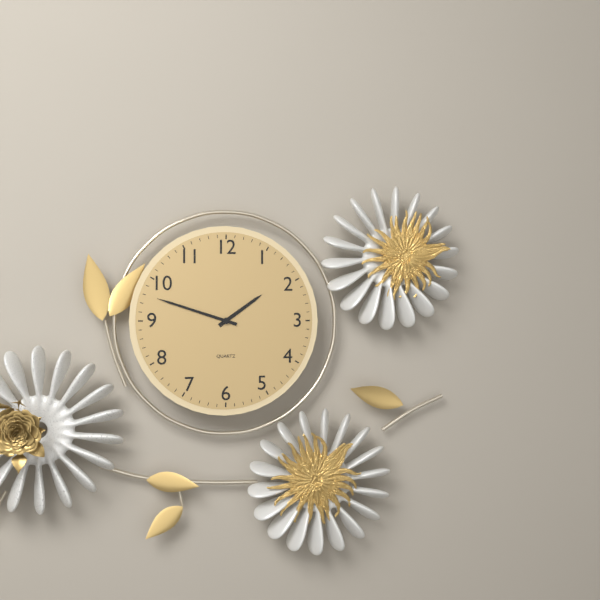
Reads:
{"hour": 1, "minute": 48}
